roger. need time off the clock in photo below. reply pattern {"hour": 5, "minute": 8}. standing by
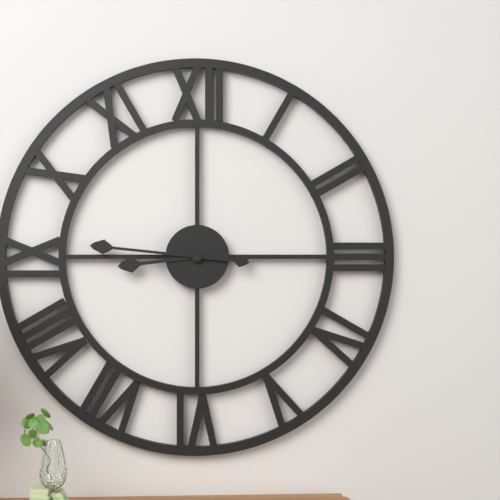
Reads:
{"hour": 8, "minute": 46}
